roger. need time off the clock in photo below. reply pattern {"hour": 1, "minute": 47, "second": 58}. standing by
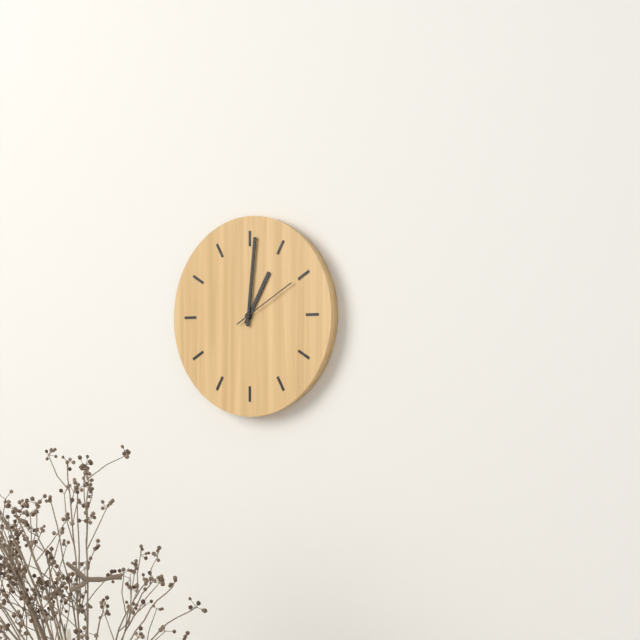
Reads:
{"hour": 1, "minute": 1, "second": 10}
